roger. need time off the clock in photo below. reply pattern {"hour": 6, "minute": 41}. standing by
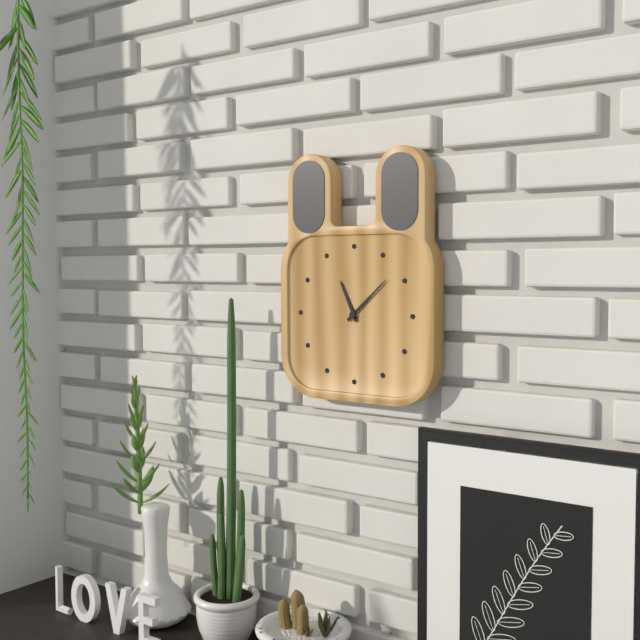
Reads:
{"hour": 11, "minute": 8}
